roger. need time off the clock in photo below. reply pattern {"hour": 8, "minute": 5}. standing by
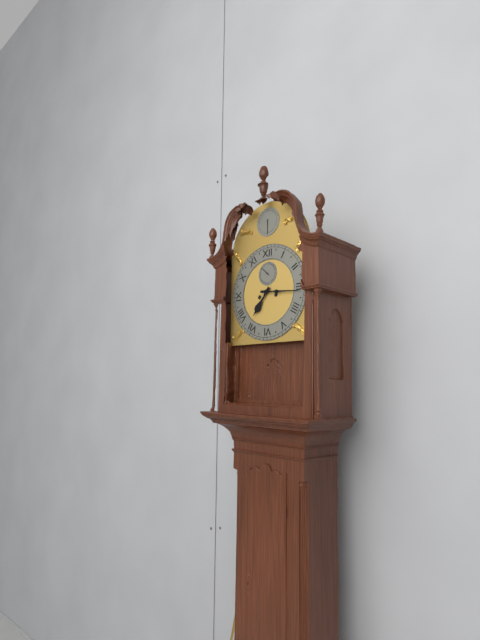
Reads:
{"hour": 7, "minute": 16}
